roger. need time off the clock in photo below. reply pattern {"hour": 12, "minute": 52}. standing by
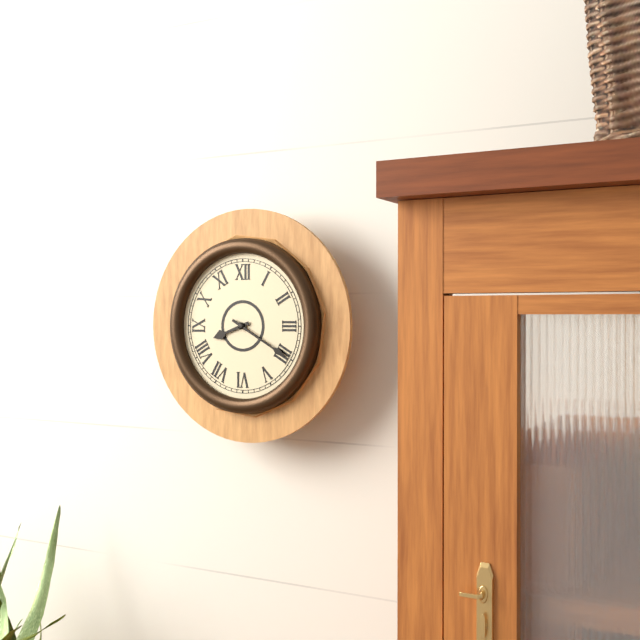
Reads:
{"hour": 8, "minute": 20}
